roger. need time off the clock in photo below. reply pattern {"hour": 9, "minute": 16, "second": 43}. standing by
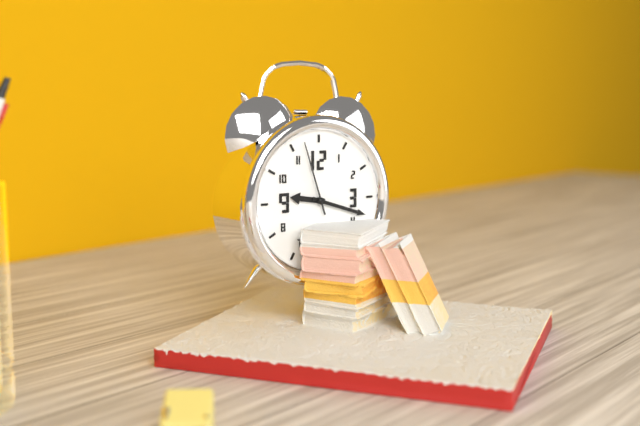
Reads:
{"hour": 9, "minute": 18, "second": 57}
